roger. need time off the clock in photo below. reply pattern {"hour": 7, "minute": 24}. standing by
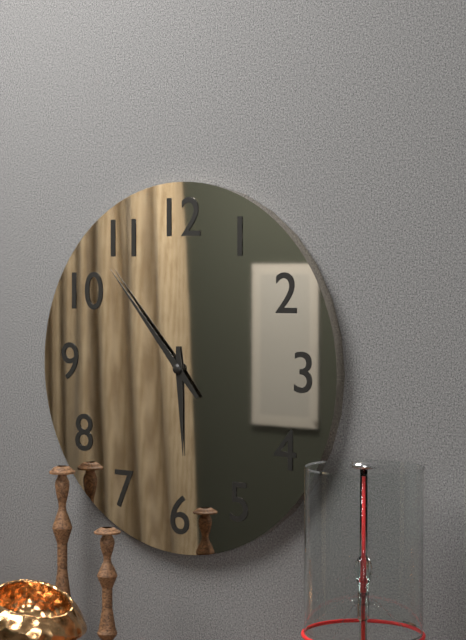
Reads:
{"hour": 5, "minute": 53}
